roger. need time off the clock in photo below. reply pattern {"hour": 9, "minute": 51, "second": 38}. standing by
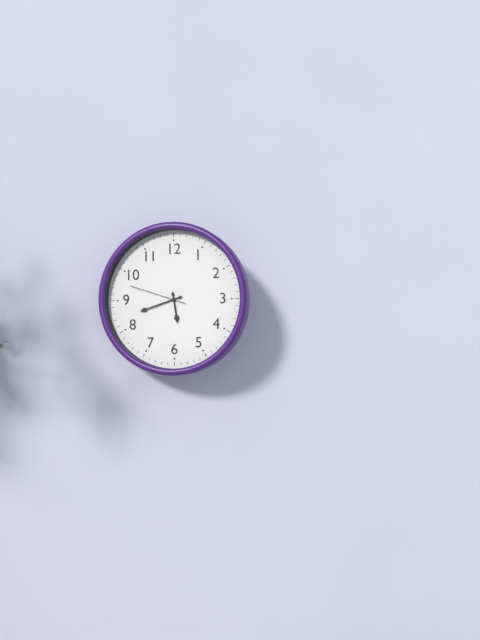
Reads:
{"hour": 5, "minute": 42, "second": 48}
